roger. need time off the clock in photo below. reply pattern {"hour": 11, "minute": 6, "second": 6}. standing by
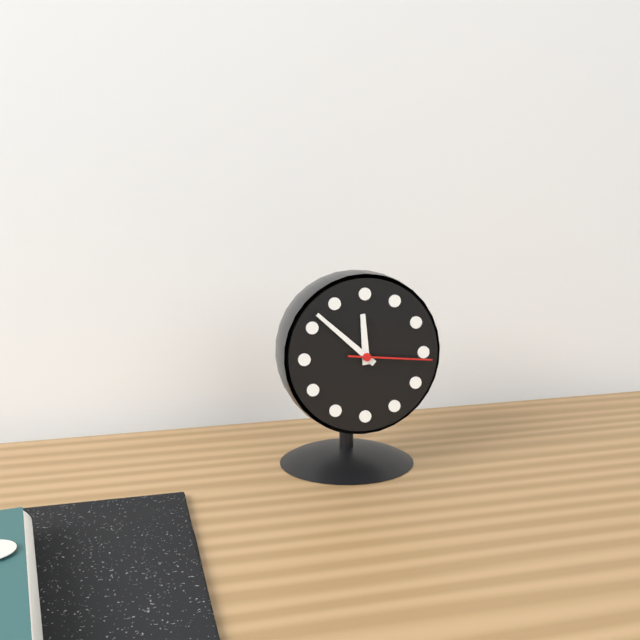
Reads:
{"hour": 11, "minute": 52, "second": 16}
